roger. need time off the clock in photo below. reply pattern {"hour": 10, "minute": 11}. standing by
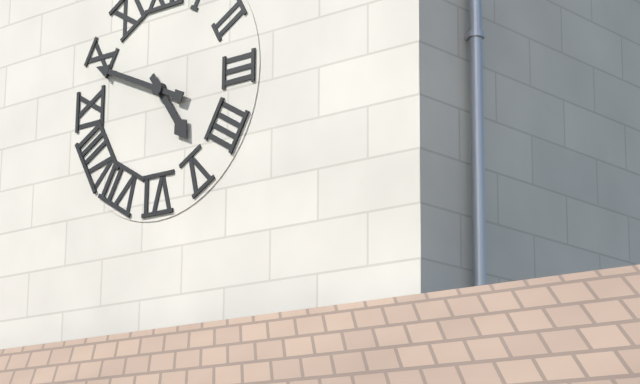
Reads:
{"hour": 4, "minute": 49}
